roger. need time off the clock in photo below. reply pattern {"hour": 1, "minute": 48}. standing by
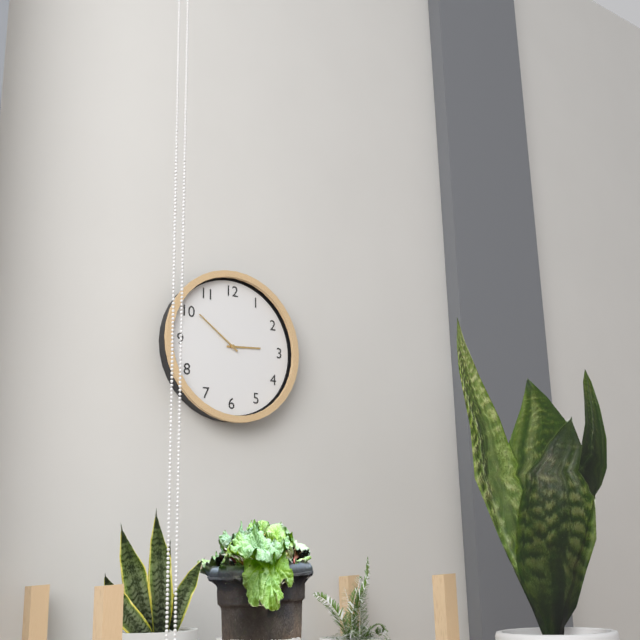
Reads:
{"hour": 2, "minute": 51}
